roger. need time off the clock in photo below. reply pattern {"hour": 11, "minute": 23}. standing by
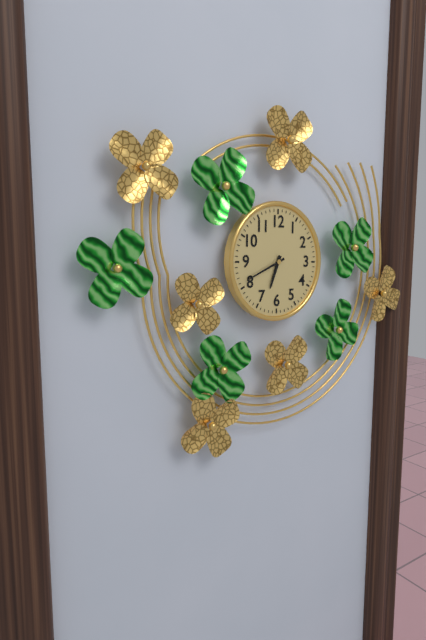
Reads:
{"hour": 6, "minute": 41}
